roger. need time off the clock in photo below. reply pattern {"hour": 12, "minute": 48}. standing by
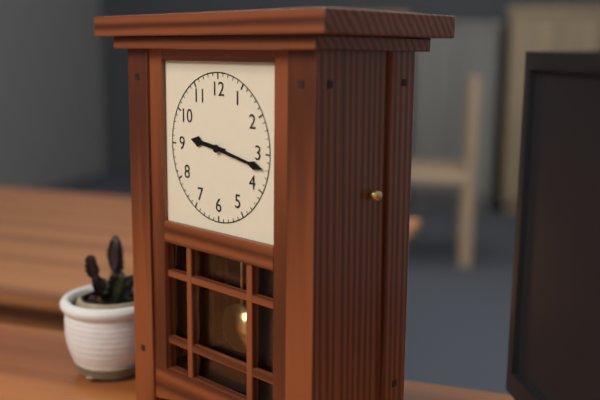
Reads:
{"hour": 9, "minute": 17}
